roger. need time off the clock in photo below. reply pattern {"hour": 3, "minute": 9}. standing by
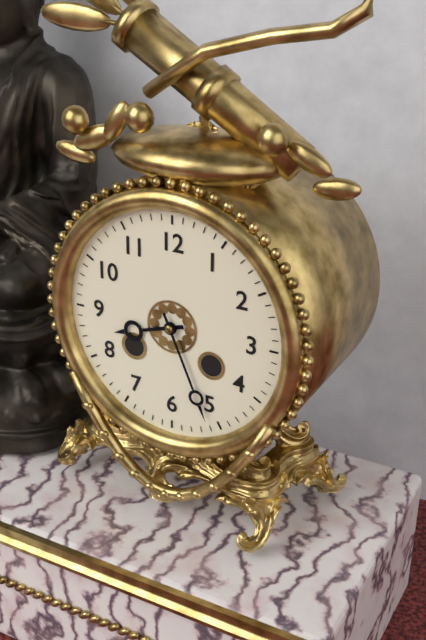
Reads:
{"hour": 8, "minute": 26}
